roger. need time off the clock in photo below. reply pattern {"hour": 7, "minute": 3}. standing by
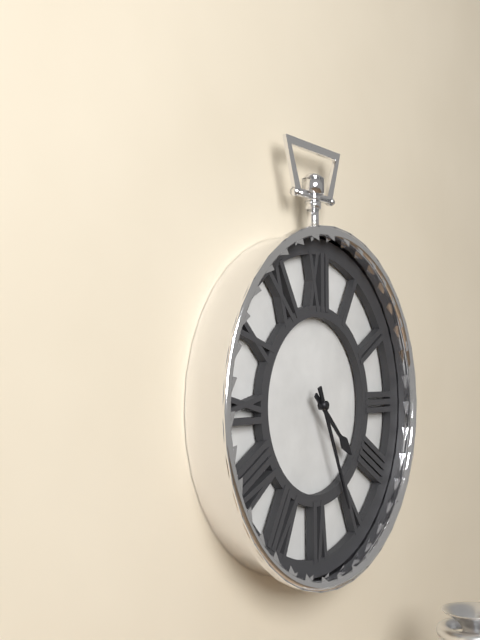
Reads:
{"hour": 4, "minute": 26}
